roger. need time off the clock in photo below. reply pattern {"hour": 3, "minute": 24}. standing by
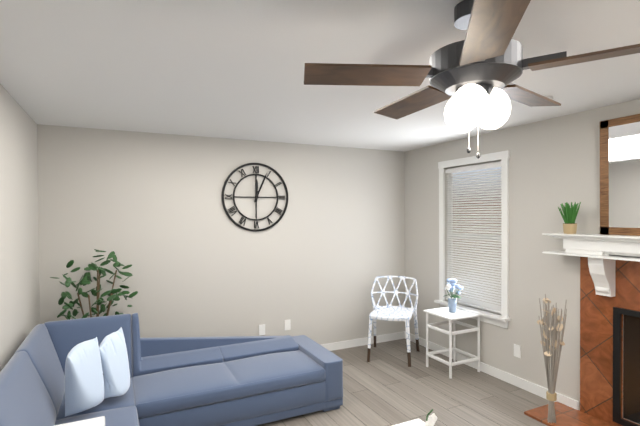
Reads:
{"hour": 12, "minute": 4}
